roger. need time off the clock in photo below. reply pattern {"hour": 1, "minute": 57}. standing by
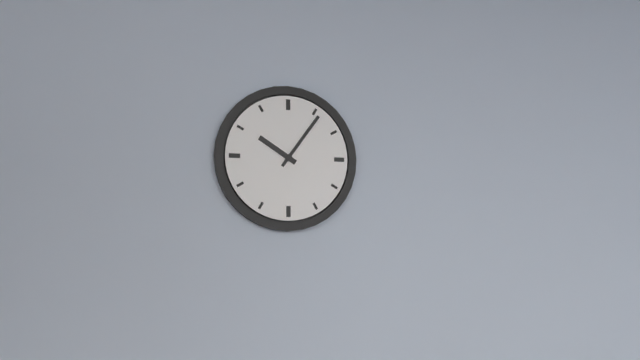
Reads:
{"hour": 10, "minute": 6}
